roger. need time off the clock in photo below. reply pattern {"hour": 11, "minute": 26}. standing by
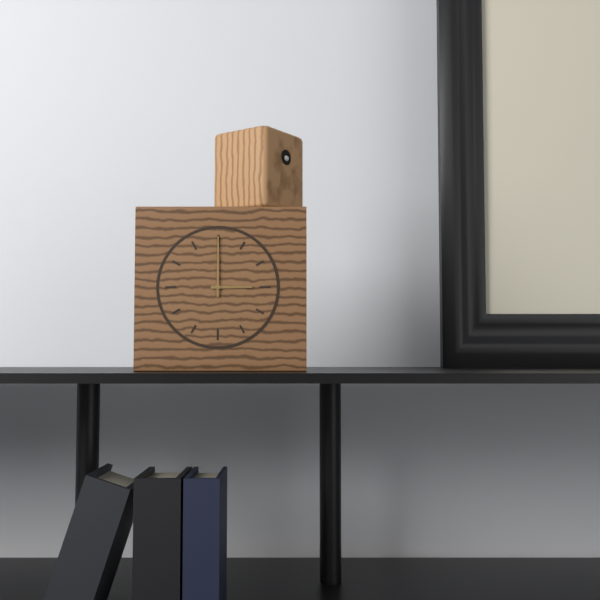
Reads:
{"hour": 3, "minute": 0}
